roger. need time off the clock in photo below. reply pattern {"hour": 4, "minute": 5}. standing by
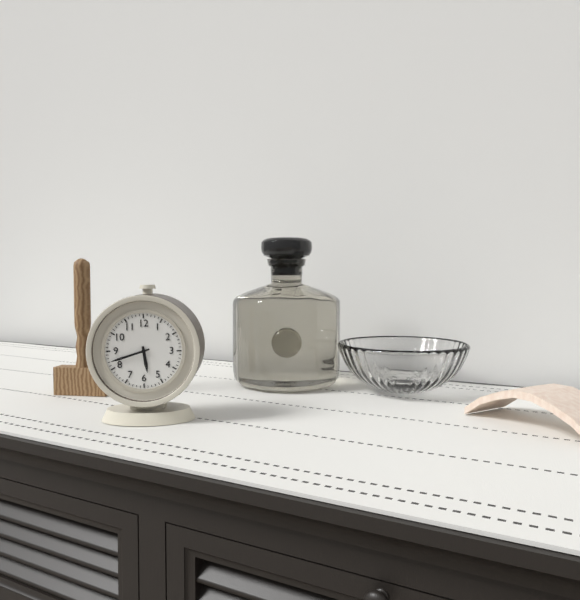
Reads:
{"hour": 5, "minute": 42}
